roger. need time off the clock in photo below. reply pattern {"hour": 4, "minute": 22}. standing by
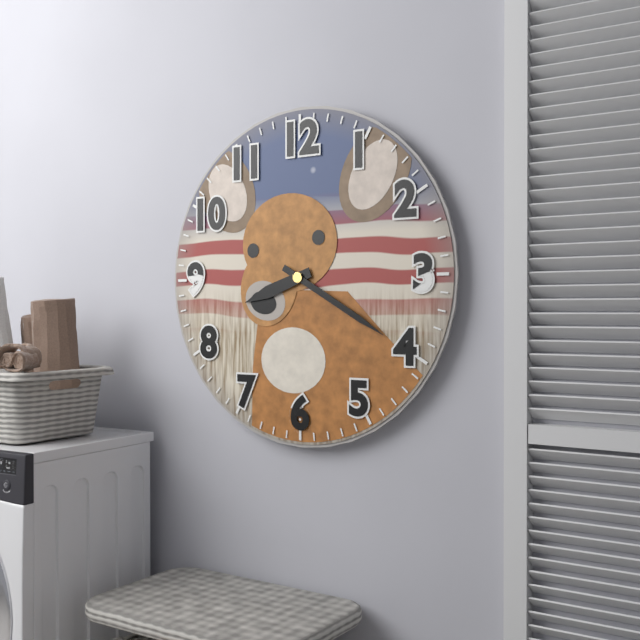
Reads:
{"hour": 8, "minute": 20}
